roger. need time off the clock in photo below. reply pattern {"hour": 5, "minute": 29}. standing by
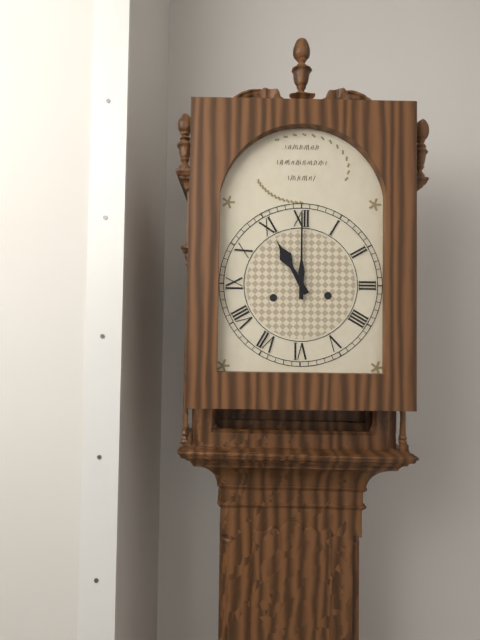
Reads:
{"hour": 11, "minute": 0}
